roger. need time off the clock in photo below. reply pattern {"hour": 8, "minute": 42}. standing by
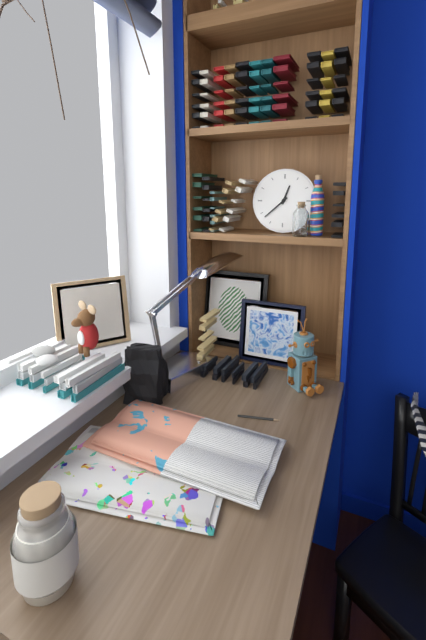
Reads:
{"hour": 12, "minute": 38}
